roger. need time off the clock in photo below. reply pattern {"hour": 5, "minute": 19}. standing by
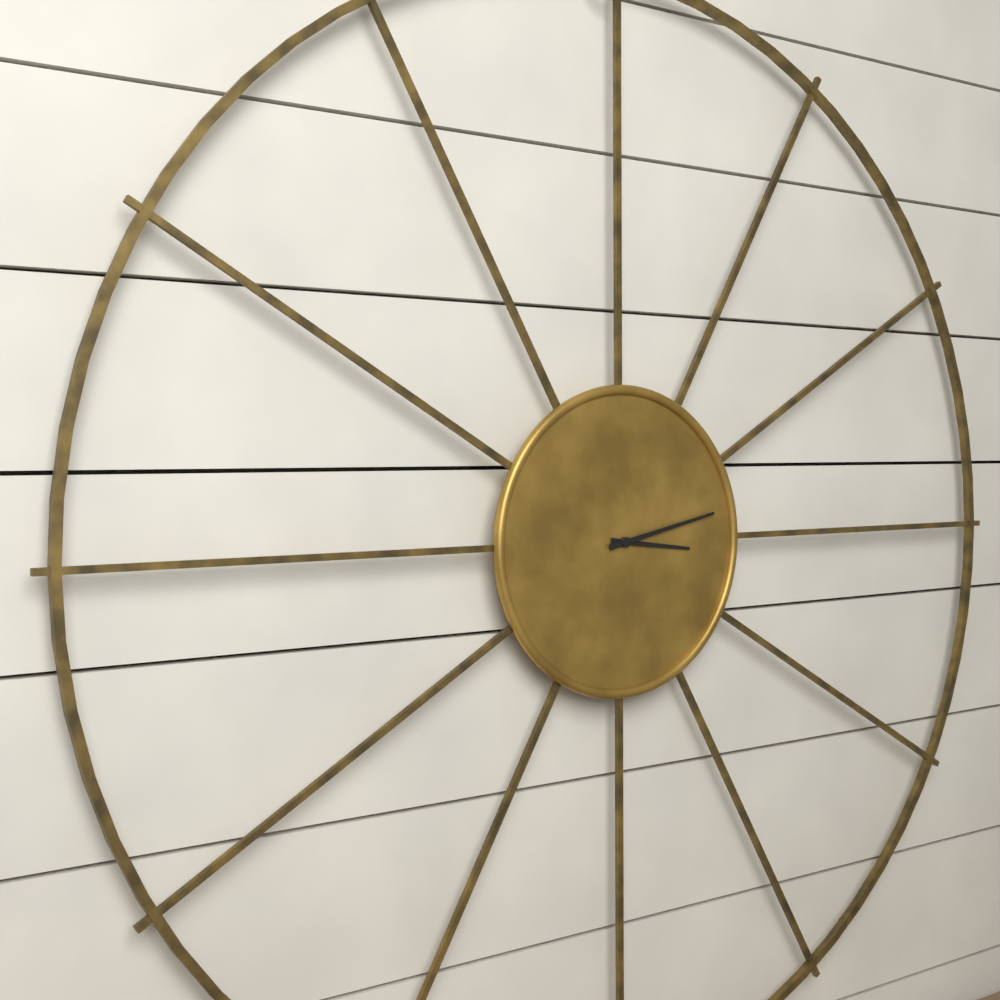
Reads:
{"hour": 3, "minute": 13}
